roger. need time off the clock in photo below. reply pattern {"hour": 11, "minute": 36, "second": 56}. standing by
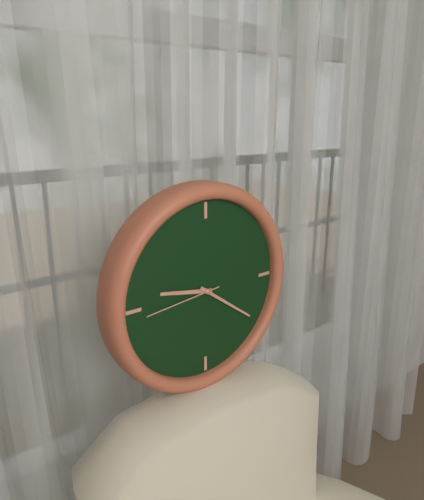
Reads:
{"hour": 9, "minute": 21, "second": 44}
